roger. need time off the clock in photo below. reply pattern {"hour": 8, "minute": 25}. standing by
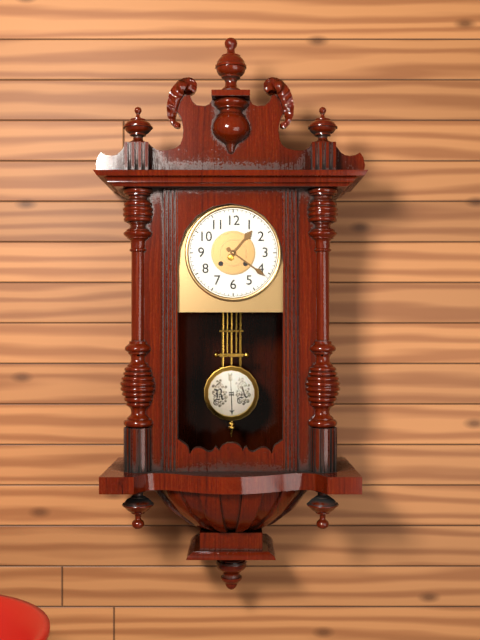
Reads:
{"hour": 1, "minute": 21}
